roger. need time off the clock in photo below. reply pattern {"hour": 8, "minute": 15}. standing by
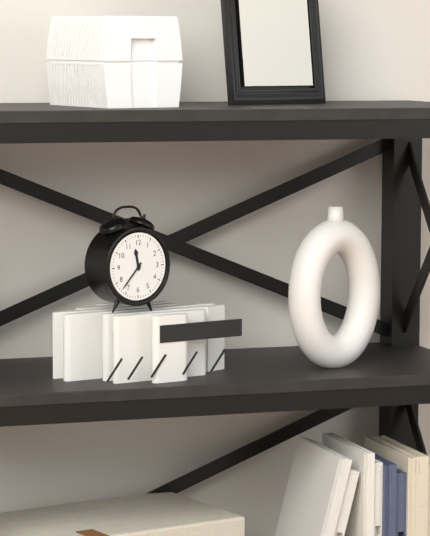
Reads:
{"hour": 11, "minute": 37}
